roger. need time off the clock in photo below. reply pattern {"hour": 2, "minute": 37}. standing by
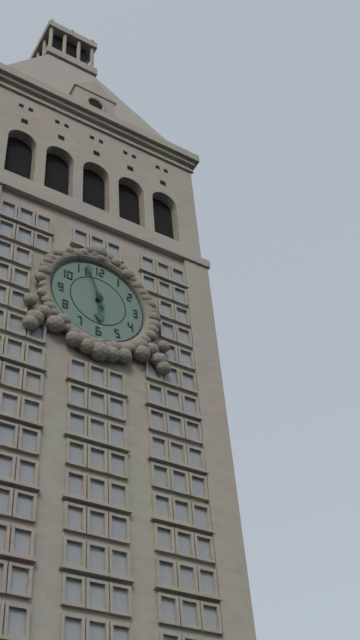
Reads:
{"hour": 5, "minute": 57}
